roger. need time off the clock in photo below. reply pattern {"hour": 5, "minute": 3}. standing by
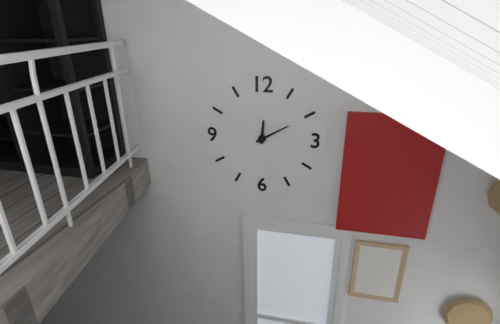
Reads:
{"hour": 12, "minute": 10}
